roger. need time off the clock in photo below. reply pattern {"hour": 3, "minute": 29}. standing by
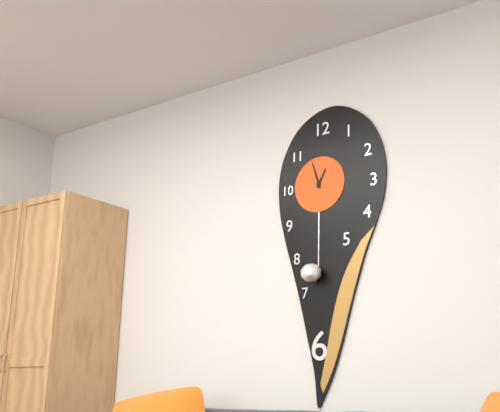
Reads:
{"hour": 12, "minute": 57}
